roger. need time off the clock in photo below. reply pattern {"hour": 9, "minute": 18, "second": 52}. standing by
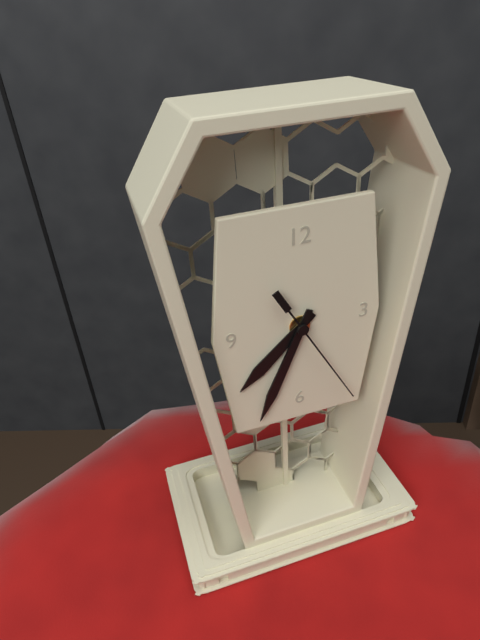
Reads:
{"hour": 7, "minute": 34, "second": 25}
